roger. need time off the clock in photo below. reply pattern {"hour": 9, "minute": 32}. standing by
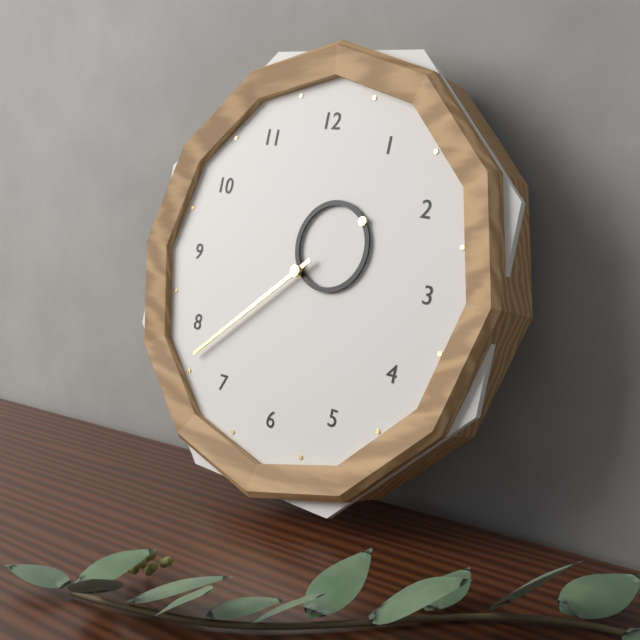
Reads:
{"hour": 1, "minute": 38}
